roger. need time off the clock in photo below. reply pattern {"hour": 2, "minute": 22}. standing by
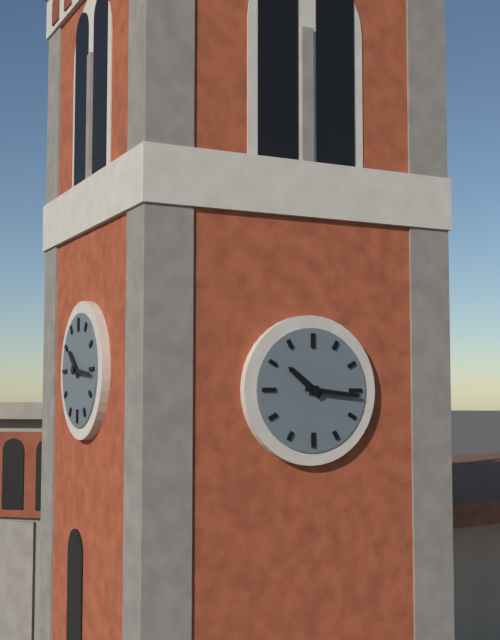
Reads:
{"hour": 10, "minute": 16}
